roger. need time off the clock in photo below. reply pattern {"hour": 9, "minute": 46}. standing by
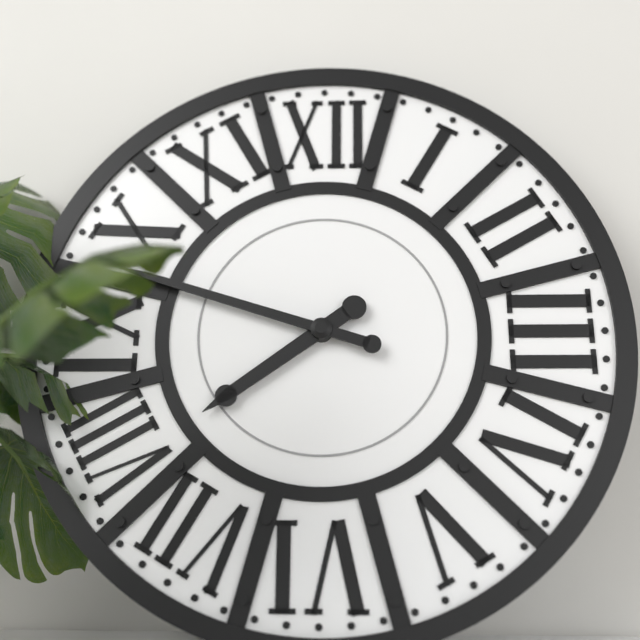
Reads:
{"hour": 7, "minute": 48}
